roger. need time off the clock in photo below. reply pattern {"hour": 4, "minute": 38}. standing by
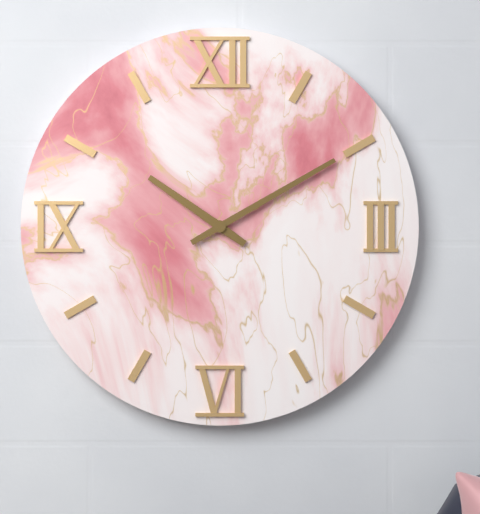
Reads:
{"hour": 10, "minute": 10}
